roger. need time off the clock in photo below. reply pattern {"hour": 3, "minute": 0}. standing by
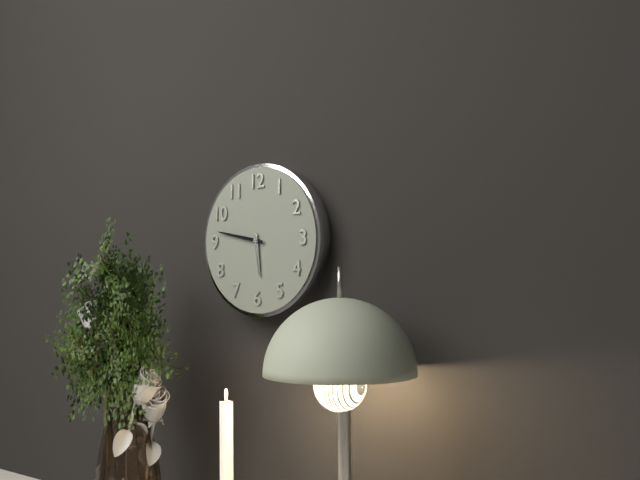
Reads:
{"hour": 5, "minute": 47}
